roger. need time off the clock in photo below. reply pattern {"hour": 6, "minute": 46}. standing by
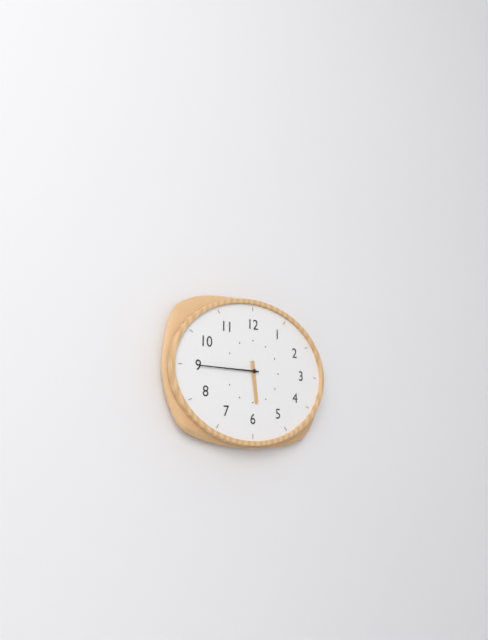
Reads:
{"hour": 5, "minute": 45}
